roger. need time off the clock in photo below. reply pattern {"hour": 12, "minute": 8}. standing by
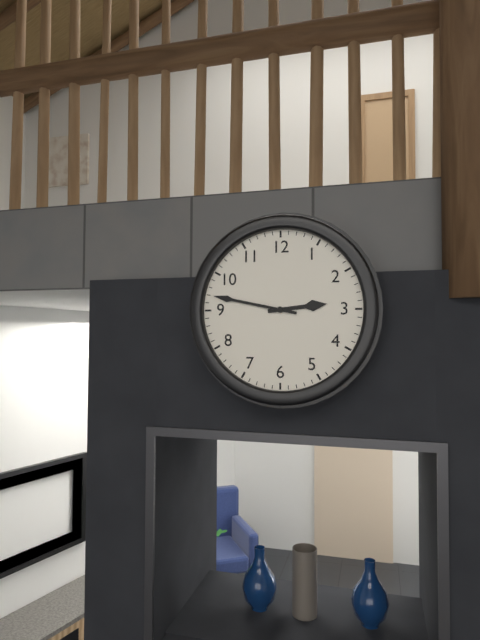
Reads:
{"hour": 2, "minute": 47}
